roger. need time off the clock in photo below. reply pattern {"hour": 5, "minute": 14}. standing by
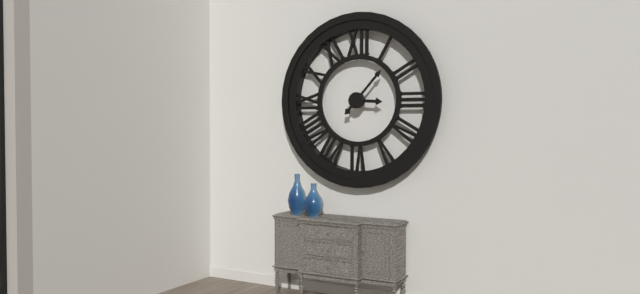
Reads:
{"hour": 3, "minute": 7}
